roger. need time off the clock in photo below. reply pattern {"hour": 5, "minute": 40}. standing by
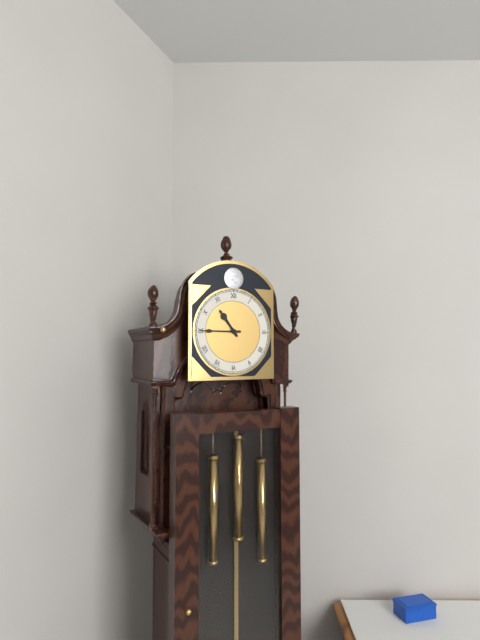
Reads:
{"hour": 10, "minute": 45}
